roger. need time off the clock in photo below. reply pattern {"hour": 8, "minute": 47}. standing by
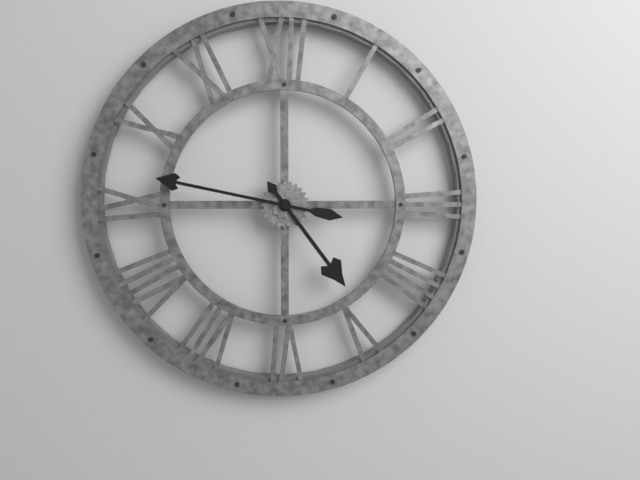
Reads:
{"hour": 4, "minute": 47}
